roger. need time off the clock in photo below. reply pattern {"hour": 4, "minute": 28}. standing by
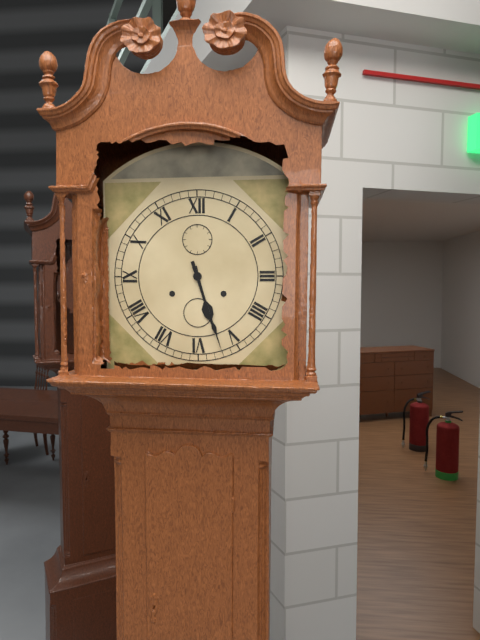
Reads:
{"hour": 5, "minute": 27}
